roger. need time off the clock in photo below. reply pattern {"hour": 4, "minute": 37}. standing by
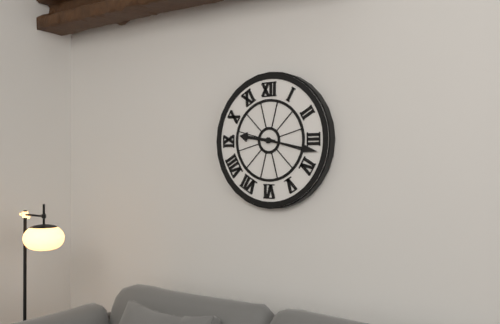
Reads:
{"hour": 9, "minute": 17}
